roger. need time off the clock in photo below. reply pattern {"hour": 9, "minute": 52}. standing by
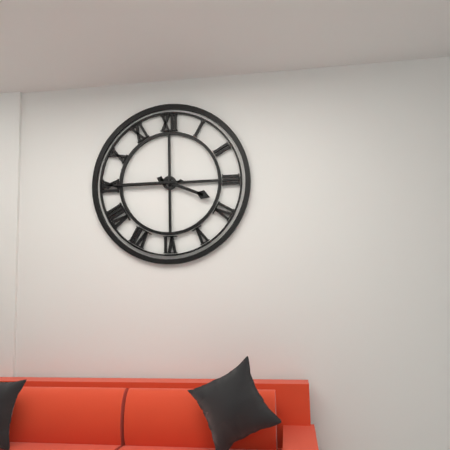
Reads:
{"hour": 3, "minute": 45}
